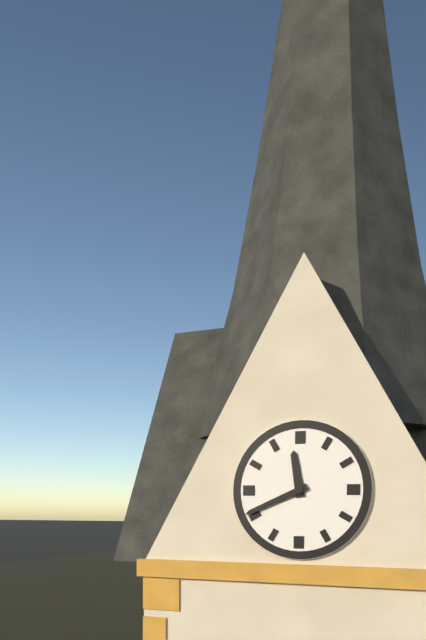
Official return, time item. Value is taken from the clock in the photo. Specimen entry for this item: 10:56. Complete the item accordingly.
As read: 11:41
